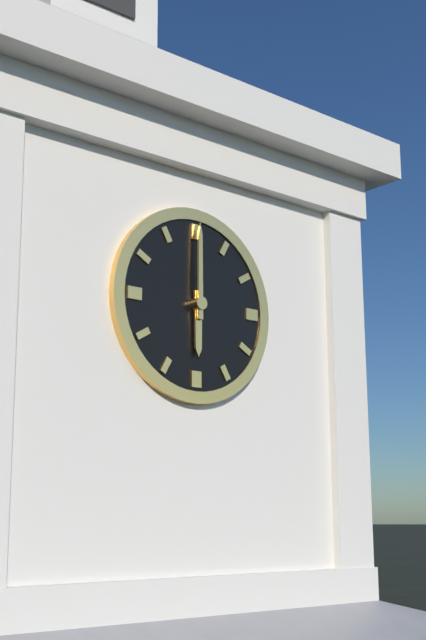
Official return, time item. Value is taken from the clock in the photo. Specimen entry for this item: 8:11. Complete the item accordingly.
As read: 6:00
